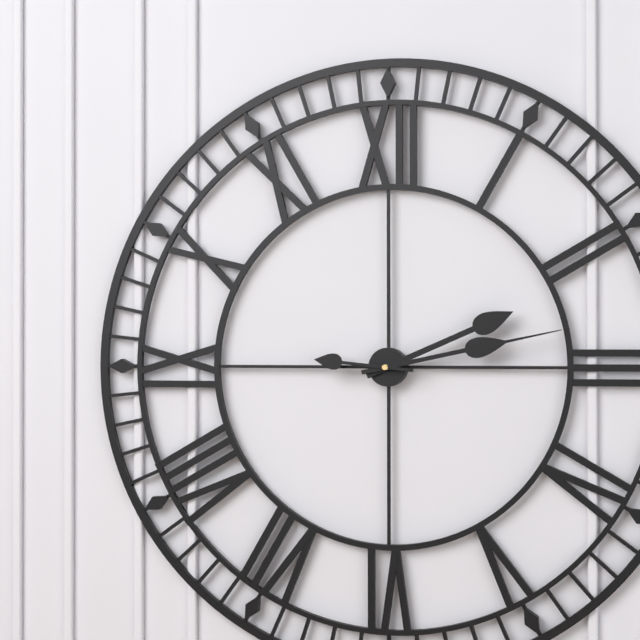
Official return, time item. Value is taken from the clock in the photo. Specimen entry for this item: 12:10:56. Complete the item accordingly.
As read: 2:13:46
